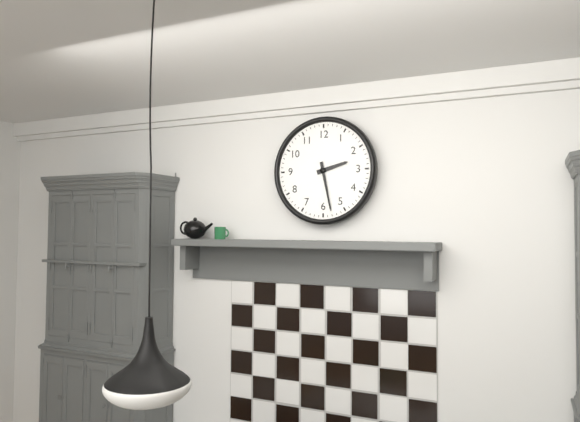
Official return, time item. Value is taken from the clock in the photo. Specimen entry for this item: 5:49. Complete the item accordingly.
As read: 2:28
